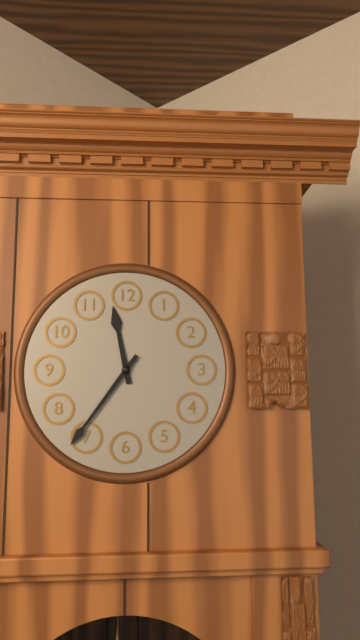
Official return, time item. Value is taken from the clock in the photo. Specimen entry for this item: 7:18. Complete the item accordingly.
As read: 11:36
